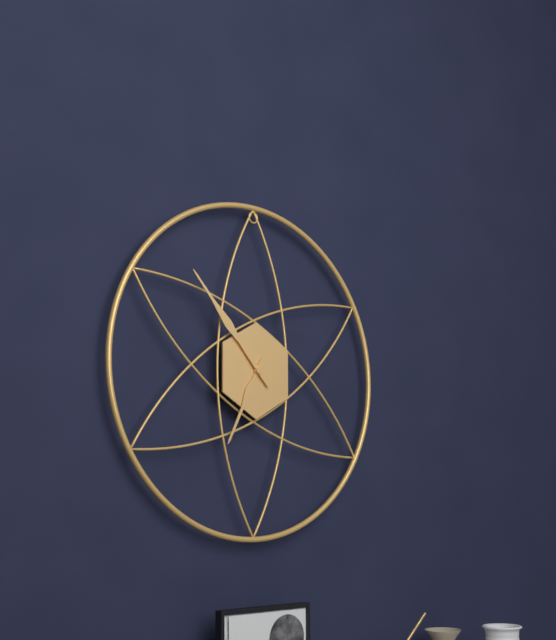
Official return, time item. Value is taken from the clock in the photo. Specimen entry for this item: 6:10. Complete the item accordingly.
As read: 6:53
